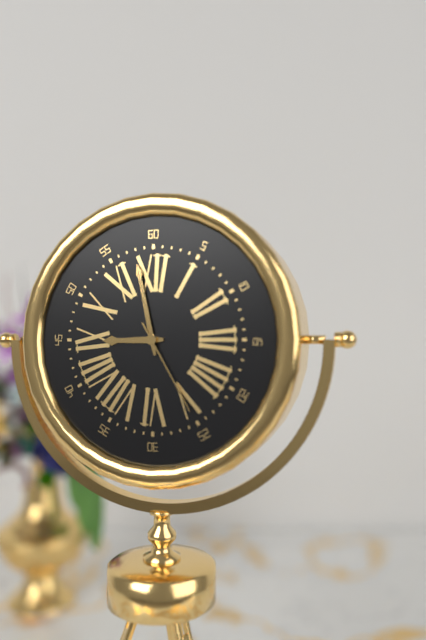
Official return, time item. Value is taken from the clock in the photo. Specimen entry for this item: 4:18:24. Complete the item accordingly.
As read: 8:58:25
